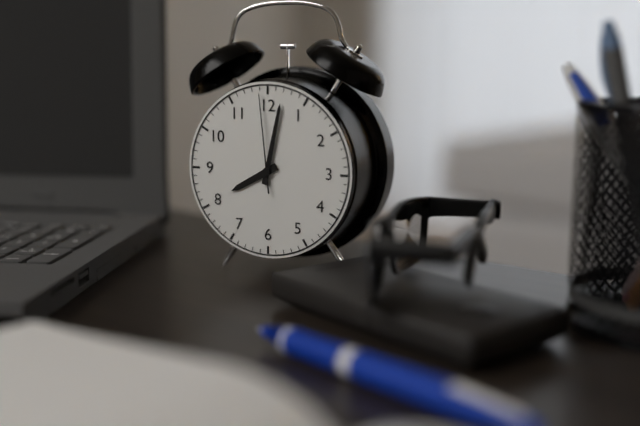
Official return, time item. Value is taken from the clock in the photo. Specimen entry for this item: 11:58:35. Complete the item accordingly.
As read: 8:02:59
